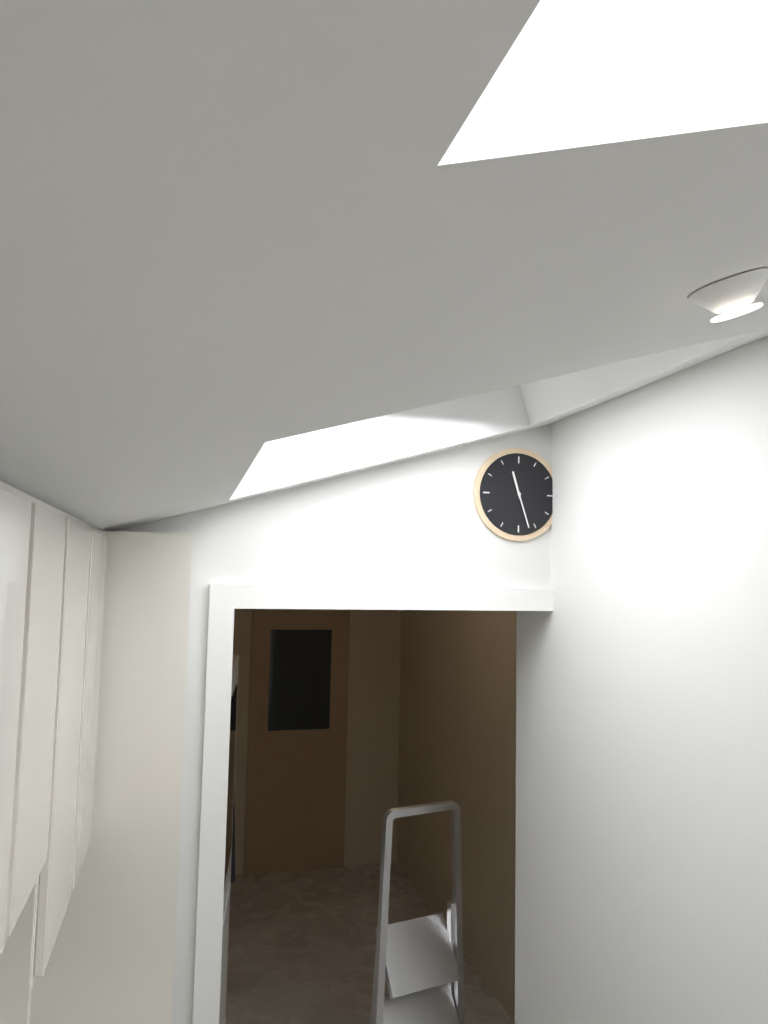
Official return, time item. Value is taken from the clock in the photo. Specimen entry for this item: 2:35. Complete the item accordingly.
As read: 11:27
